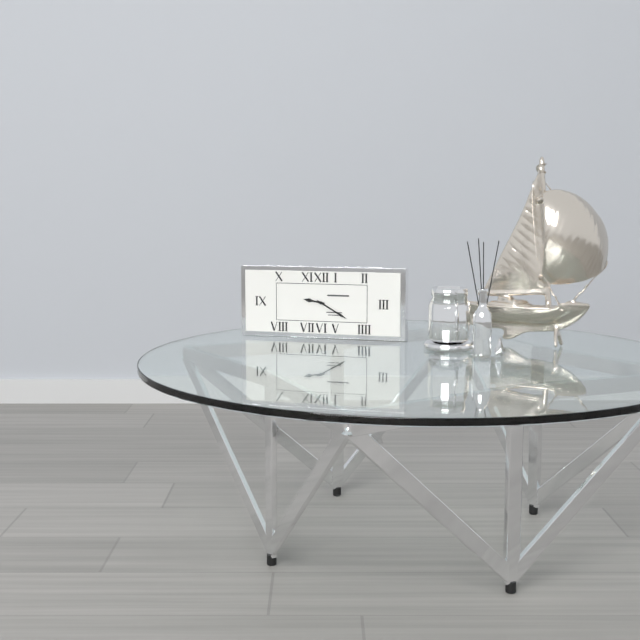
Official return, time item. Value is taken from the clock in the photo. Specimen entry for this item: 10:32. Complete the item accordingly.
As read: 9:20
